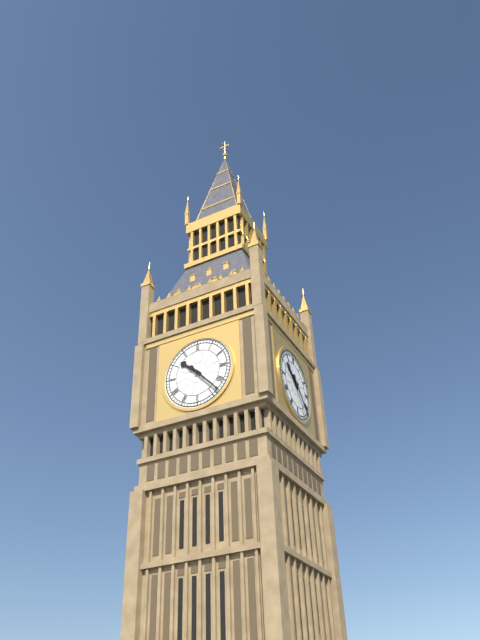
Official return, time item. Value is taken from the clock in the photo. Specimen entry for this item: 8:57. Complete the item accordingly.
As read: 10:23
